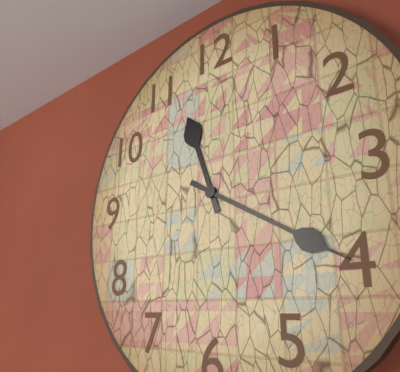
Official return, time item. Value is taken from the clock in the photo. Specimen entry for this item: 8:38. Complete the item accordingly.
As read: 11:20
